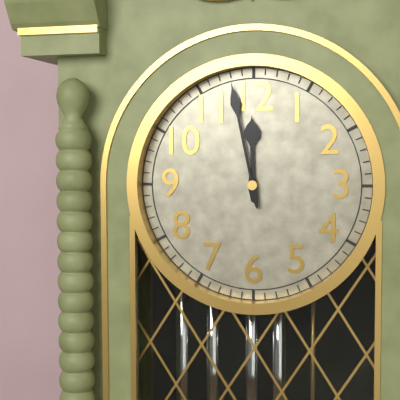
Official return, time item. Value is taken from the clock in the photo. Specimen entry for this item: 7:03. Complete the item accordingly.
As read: 11:58
